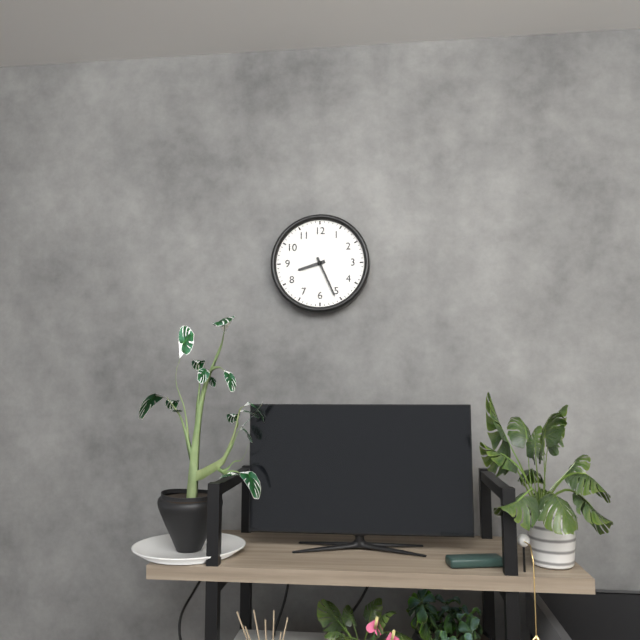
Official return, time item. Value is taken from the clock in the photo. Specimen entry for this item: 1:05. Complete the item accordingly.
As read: 8:26
